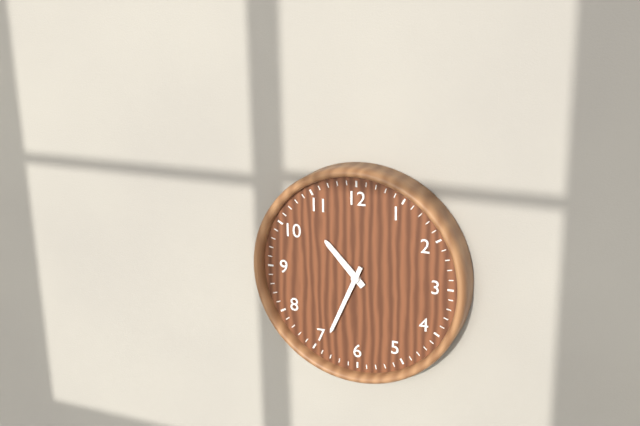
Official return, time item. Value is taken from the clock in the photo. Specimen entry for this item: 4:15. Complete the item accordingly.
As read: 10:34
